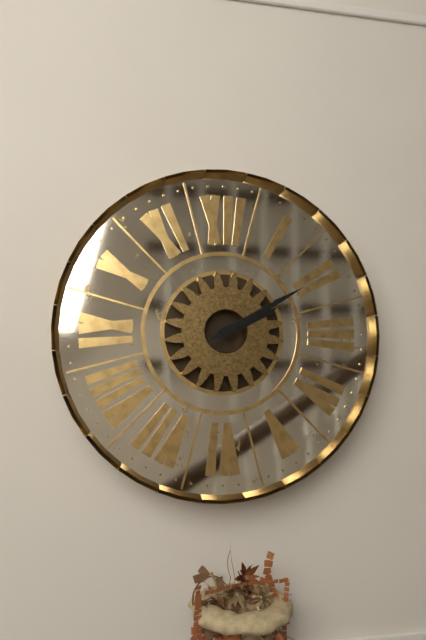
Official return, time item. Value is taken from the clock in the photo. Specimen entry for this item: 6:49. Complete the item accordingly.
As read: 2:10
